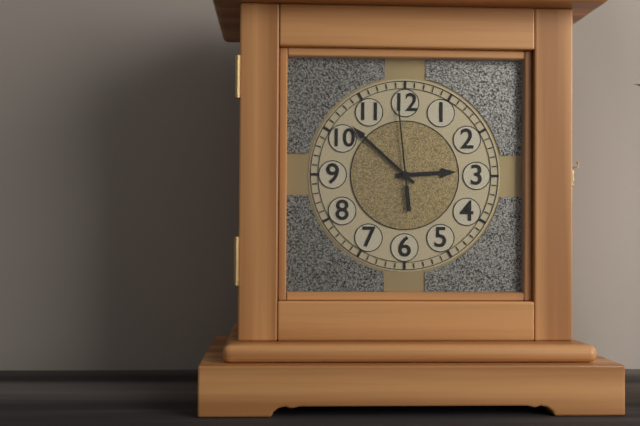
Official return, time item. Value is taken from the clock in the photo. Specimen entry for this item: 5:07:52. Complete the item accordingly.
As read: 2:52:59
